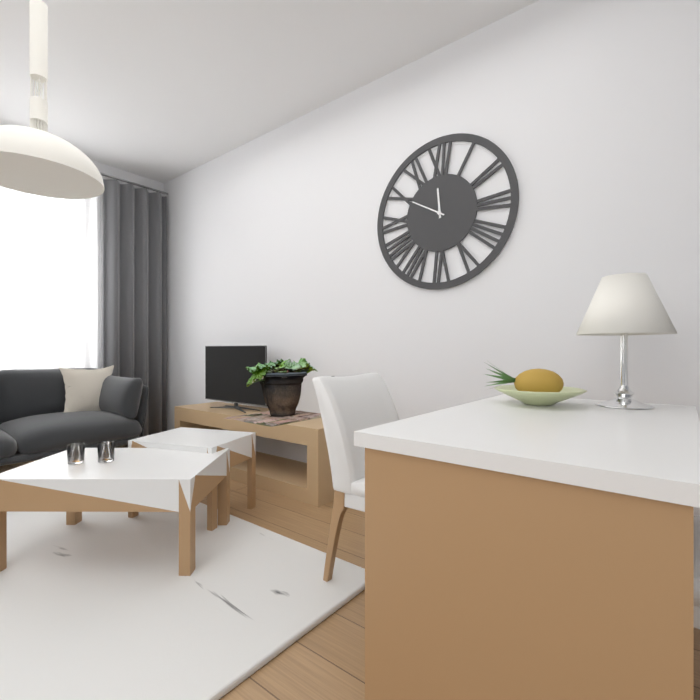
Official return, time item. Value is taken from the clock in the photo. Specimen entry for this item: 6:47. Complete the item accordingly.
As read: 11:50
